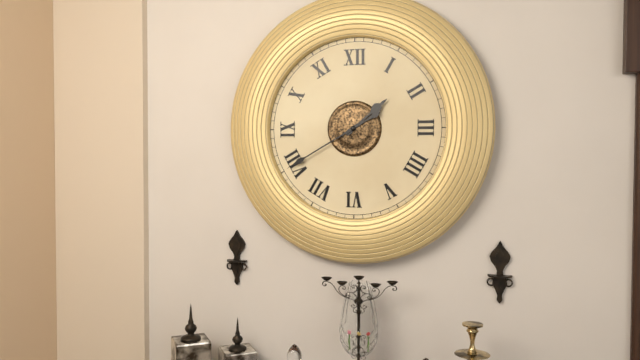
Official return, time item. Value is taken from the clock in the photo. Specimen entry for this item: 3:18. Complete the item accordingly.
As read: 1:40
